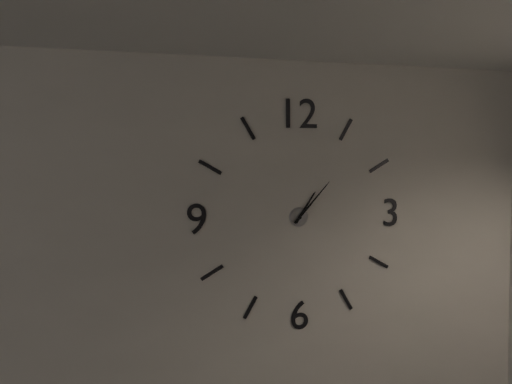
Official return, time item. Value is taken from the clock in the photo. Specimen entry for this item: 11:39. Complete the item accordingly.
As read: 1:07
